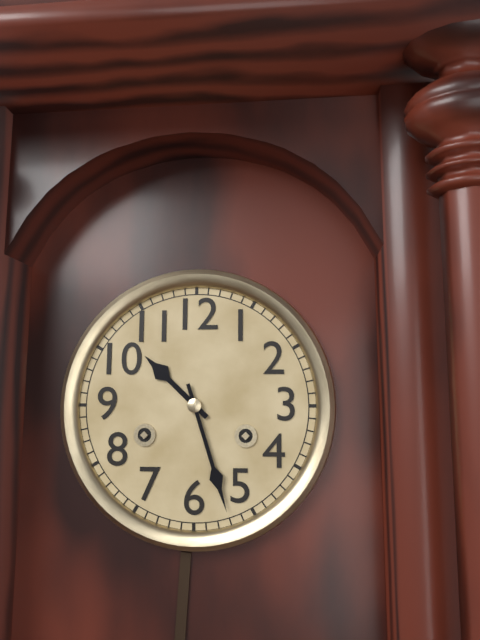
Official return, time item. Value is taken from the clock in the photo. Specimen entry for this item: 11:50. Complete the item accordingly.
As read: 10:27
